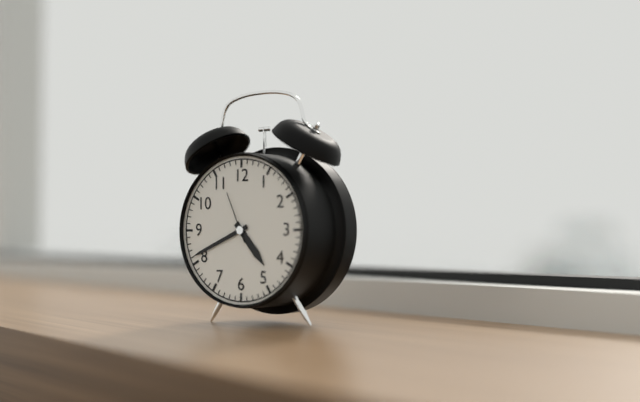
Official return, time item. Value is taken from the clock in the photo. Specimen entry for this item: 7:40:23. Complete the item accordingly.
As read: 4:41:56
